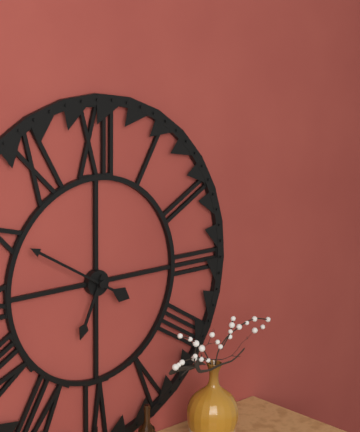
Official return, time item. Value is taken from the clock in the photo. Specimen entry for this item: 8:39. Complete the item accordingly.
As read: 6:50
